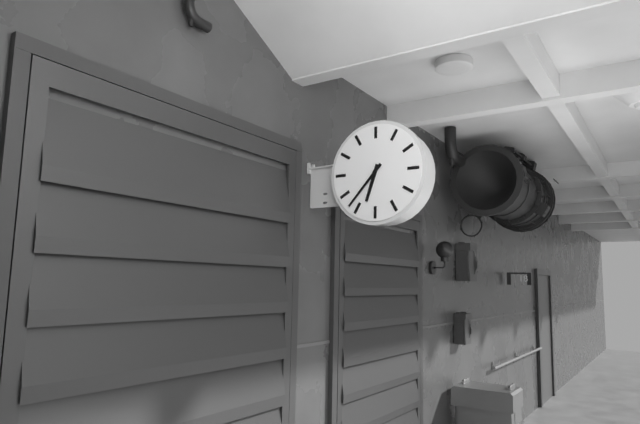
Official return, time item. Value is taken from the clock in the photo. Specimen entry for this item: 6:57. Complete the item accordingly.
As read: 6:37
